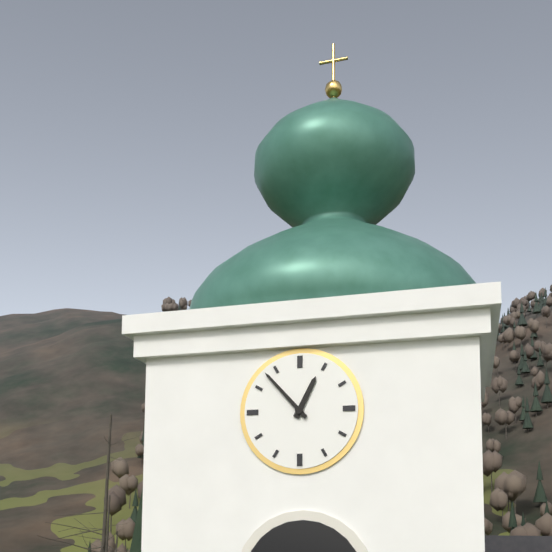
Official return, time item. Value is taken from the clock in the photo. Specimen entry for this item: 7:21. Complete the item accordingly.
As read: 12:53
